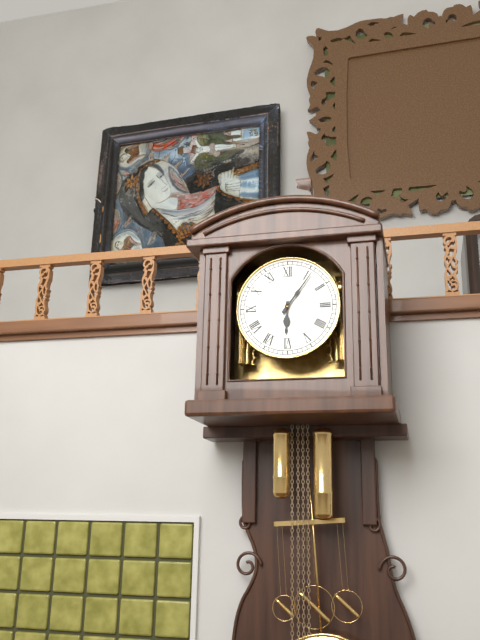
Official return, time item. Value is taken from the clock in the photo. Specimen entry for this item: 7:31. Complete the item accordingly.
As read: 6:06
